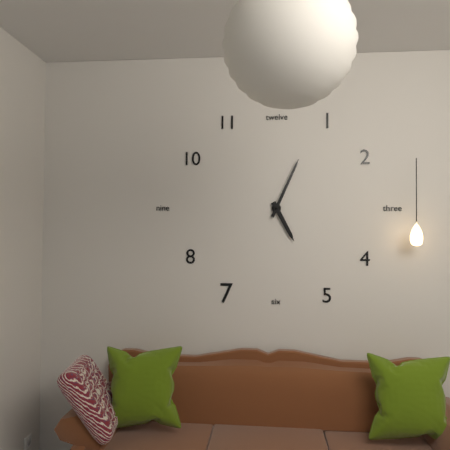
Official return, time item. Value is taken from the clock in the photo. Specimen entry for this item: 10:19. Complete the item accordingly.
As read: 5:04
